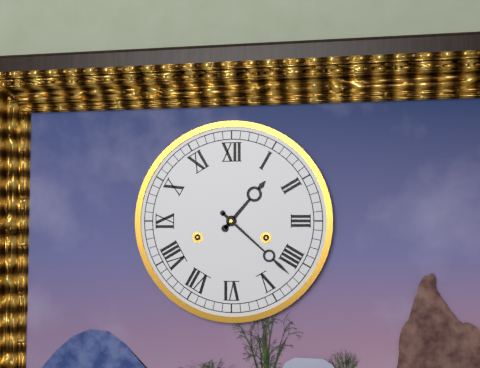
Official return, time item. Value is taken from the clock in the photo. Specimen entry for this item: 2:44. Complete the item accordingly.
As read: 1:22
